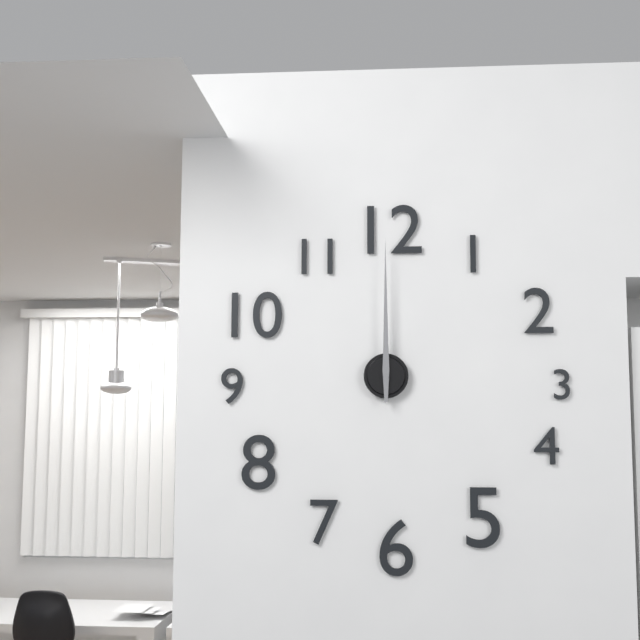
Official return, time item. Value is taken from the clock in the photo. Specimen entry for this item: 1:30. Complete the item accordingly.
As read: 12:00
